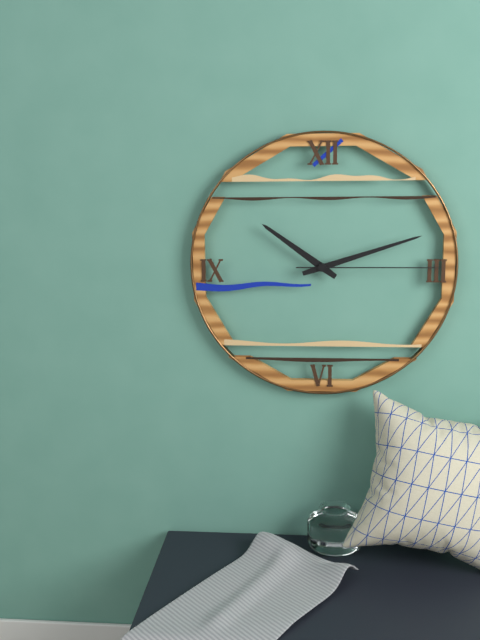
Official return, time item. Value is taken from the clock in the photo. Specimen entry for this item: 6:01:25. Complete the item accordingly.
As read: 10:12:15
